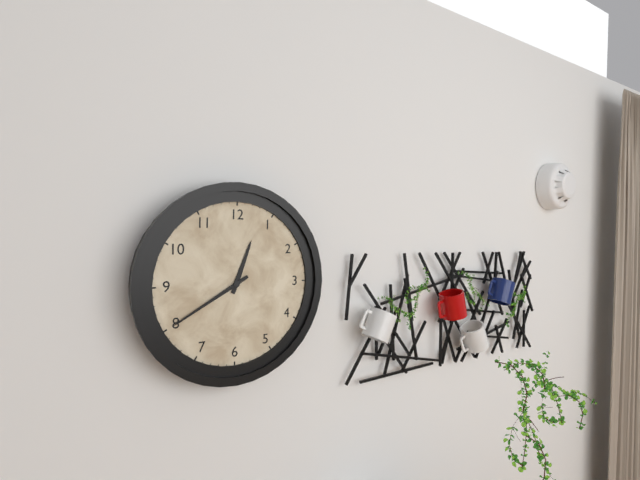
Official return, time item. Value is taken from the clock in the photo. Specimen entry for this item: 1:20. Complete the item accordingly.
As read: 12:40
